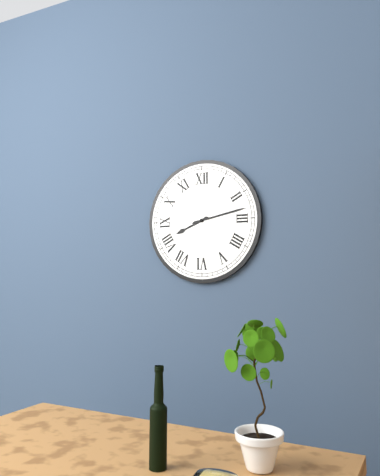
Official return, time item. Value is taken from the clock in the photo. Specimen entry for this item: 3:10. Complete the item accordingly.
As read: 8:13
